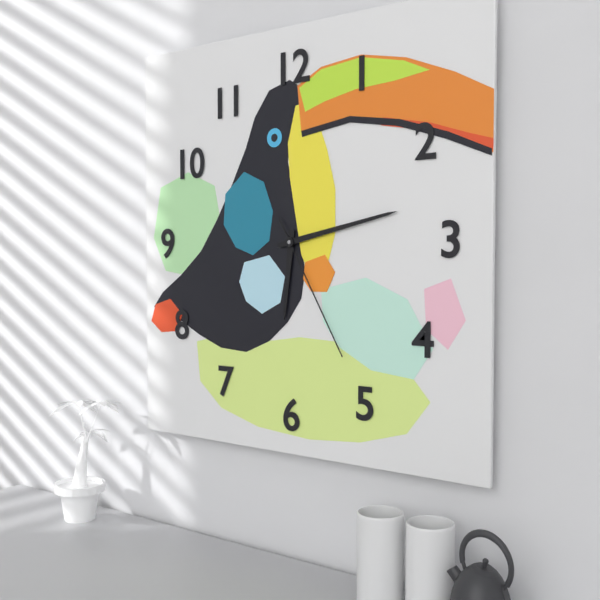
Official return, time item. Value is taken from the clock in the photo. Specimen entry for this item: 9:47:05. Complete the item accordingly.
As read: 6:13:25
